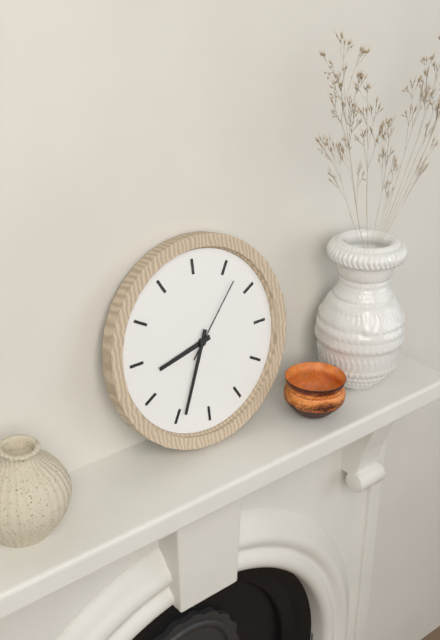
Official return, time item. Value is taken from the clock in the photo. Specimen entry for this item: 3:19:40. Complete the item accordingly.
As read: 8:34:07
